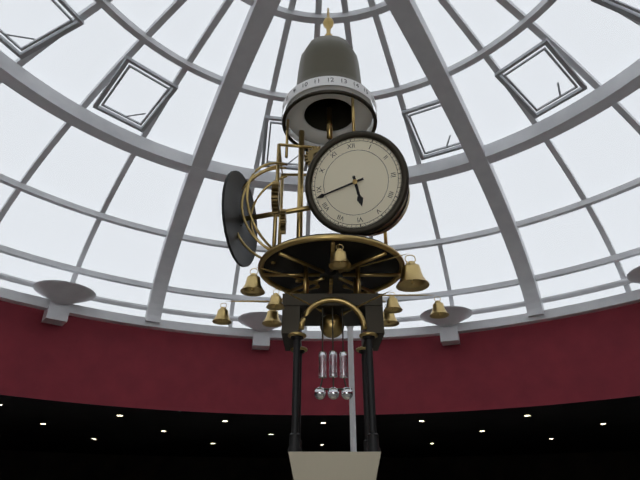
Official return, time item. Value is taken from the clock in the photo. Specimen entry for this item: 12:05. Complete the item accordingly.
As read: 5:43
